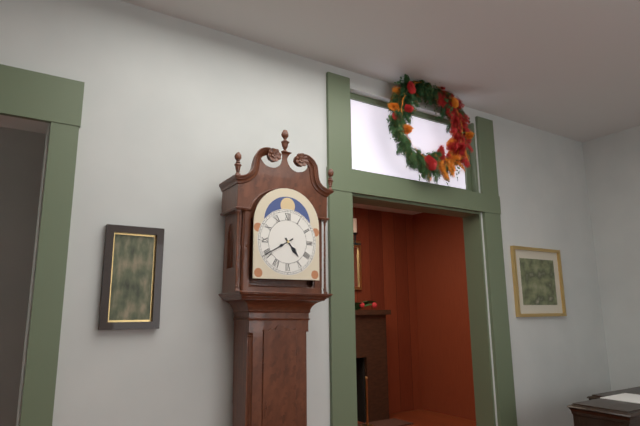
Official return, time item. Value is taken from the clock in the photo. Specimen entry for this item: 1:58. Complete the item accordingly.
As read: 4:40
